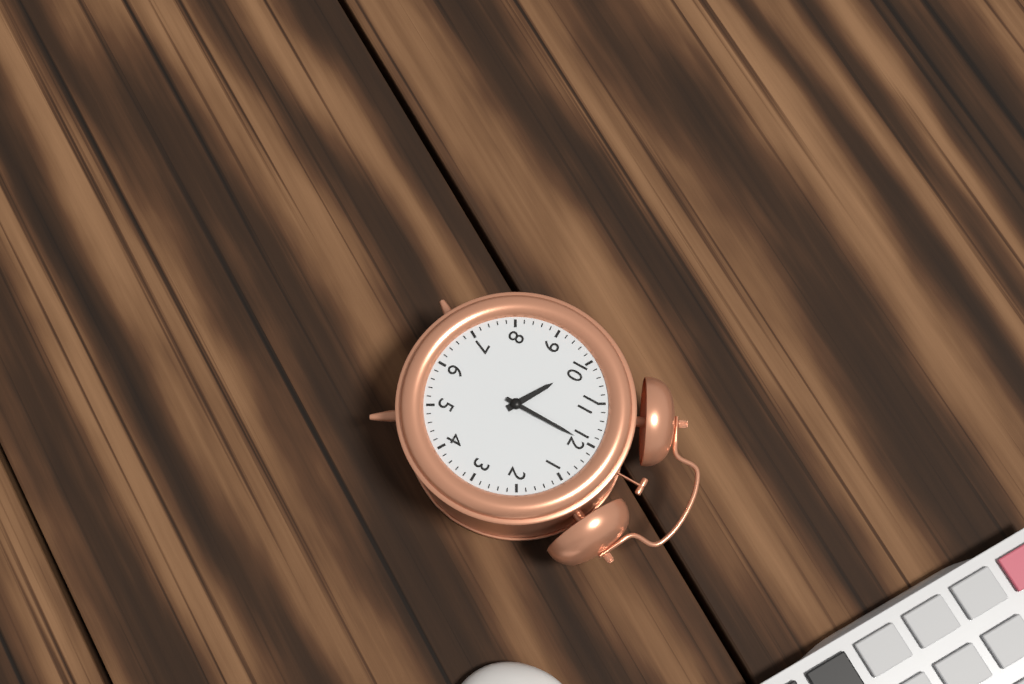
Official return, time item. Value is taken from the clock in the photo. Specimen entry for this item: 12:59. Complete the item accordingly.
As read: 10:00
